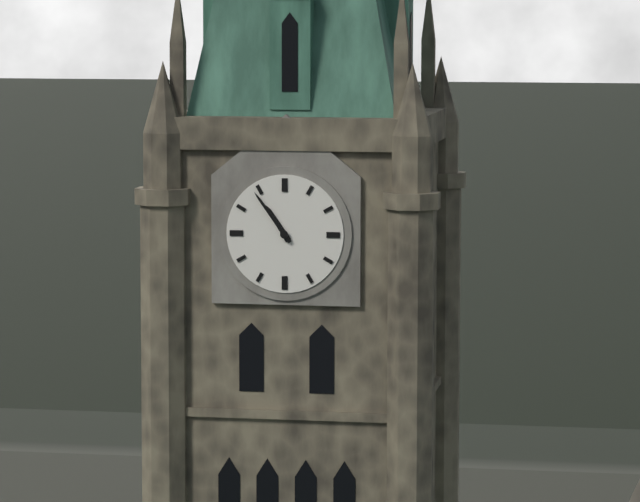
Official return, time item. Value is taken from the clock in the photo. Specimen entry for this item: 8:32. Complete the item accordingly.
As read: 10:54
